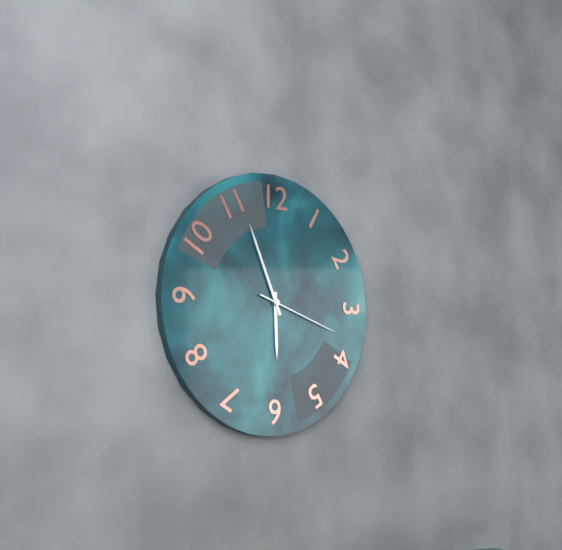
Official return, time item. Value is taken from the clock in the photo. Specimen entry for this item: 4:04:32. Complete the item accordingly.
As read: 5:56:18
